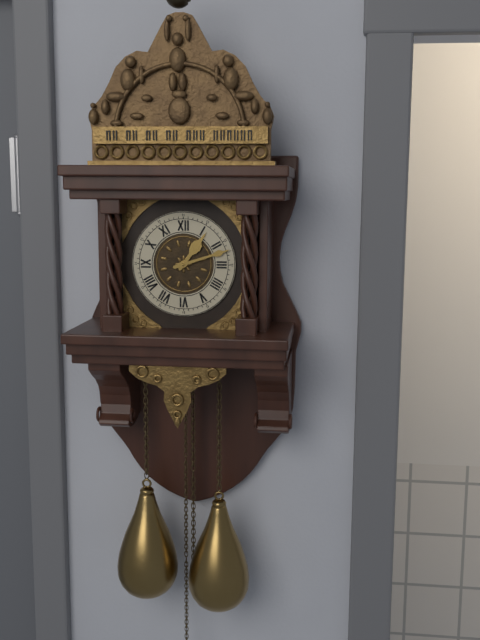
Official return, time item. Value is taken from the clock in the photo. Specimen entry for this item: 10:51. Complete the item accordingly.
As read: 1:12
